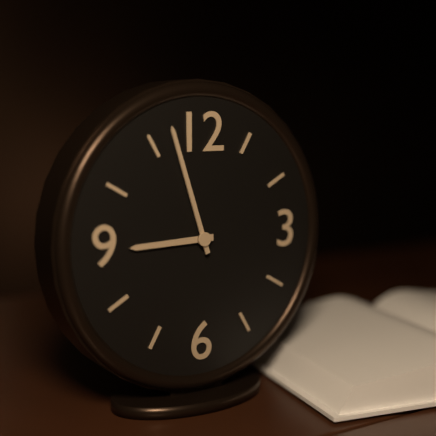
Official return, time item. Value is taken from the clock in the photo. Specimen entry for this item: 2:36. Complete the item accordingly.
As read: 8:57
